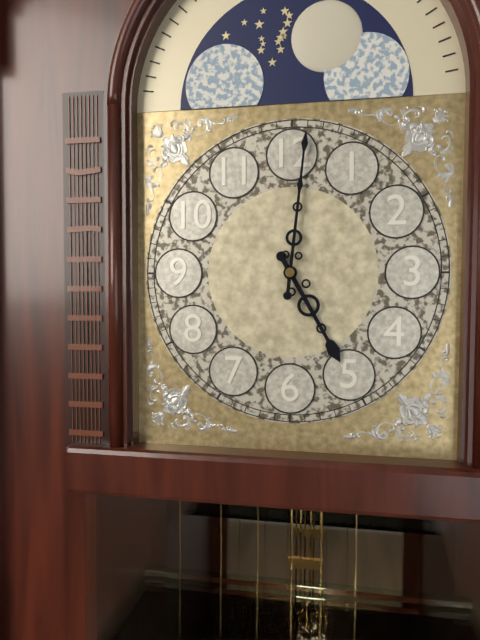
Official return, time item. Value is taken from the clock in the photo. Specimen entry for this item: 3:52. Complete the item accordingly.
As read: 5:01
